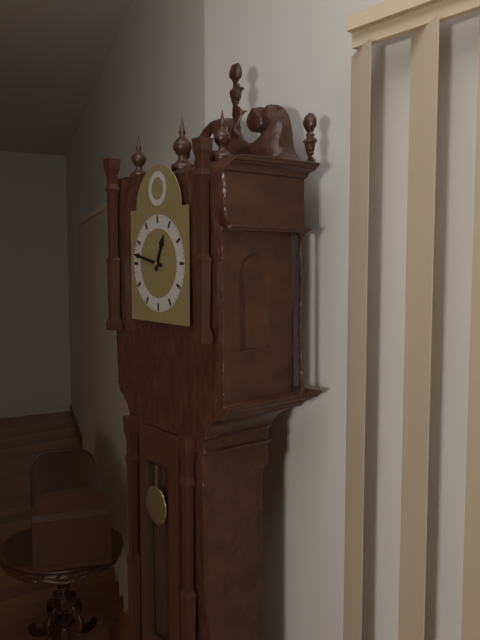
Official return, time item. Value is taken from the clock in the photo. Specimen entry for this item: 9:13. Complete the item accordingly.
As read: 12:47
